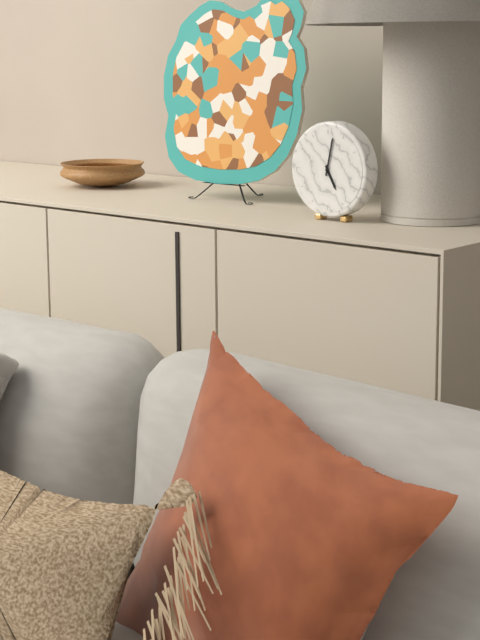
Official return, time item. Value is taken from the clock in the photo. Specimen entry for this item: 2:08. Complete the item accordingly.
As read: 5:02
